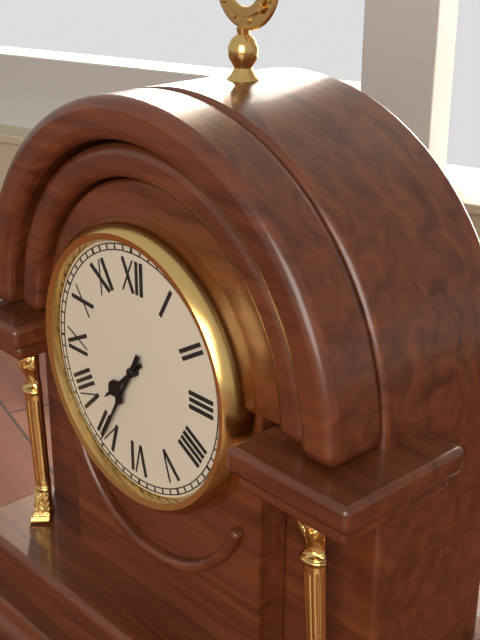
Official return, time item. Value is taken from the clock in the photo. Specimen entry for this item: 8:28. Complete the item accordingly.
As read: 7:35
